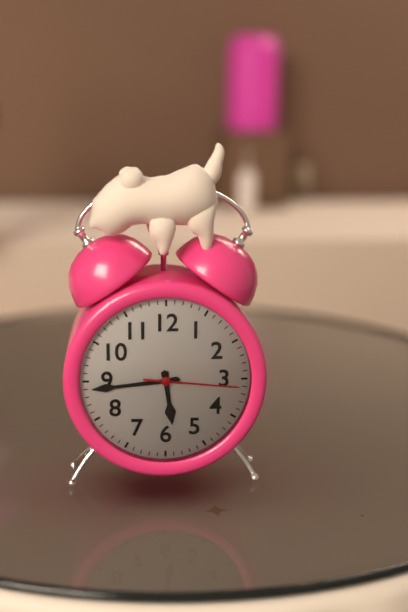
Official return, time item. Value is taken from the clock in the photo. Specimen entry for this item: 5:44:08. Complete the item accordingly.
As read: 5:44:16
